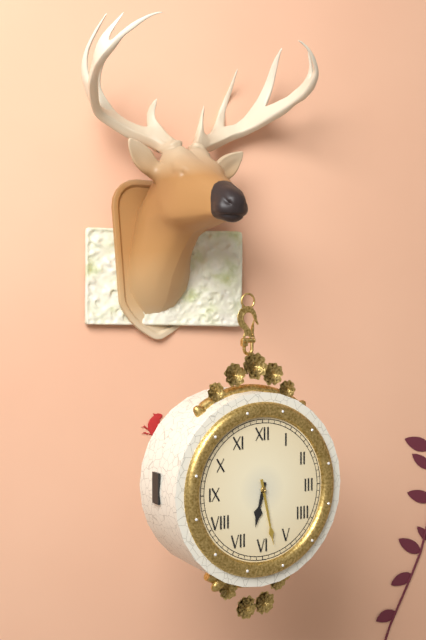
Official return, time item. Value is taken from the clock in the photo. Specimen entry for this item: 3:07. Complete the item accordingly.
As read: 6:28
